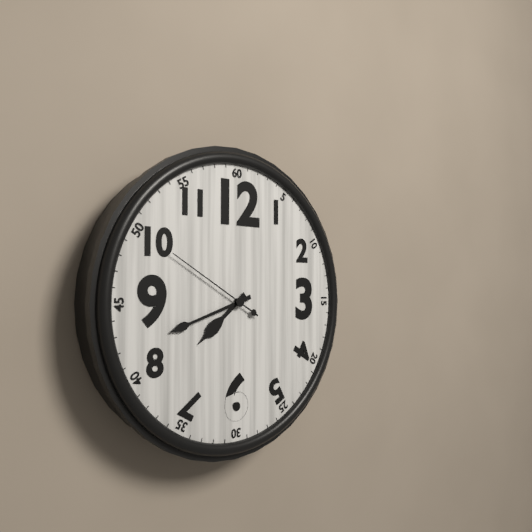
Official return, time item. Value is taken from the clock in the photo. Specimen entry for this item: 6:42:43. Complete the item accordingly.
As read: 7:42:50
